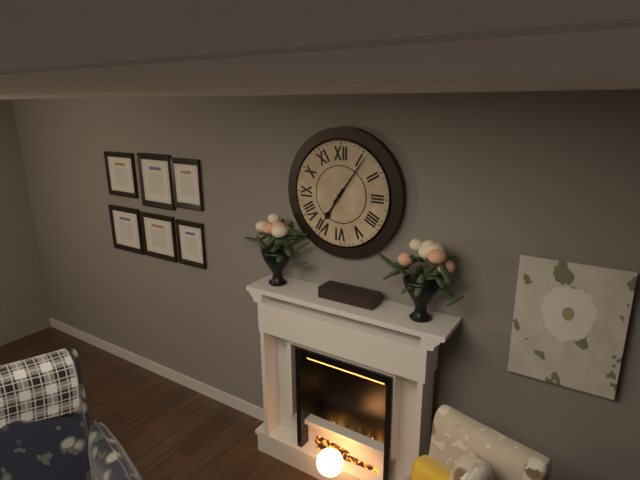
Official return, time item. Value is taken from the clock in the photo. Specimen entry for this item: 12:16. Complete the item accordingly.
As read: 7:06
